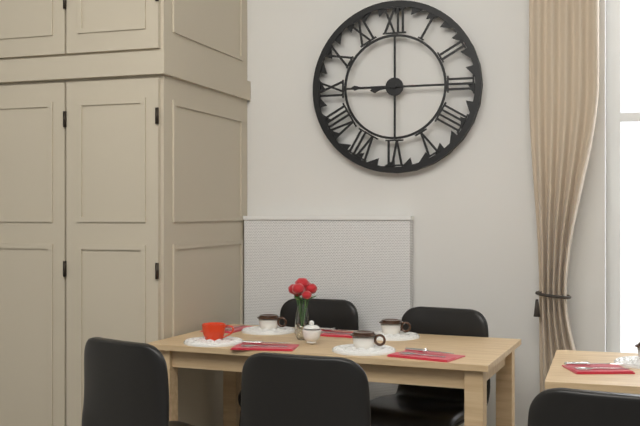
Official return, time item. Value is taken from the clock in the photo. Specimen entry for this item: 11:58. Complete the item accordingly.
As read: 8:45
